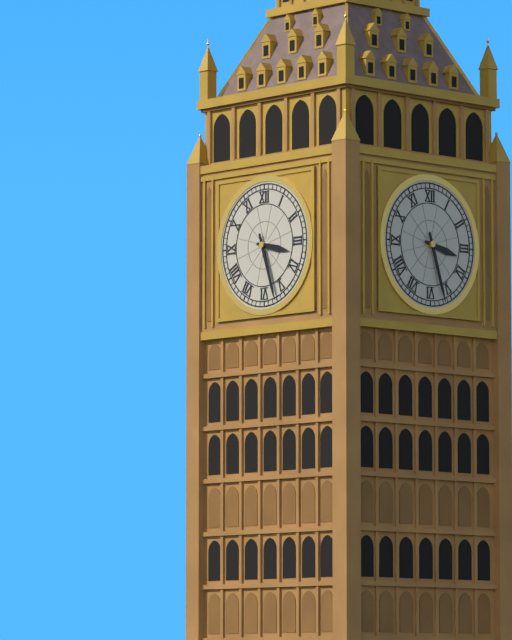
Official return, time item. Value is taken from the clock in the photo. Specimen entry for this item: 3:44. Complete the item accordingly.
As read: 3:27
